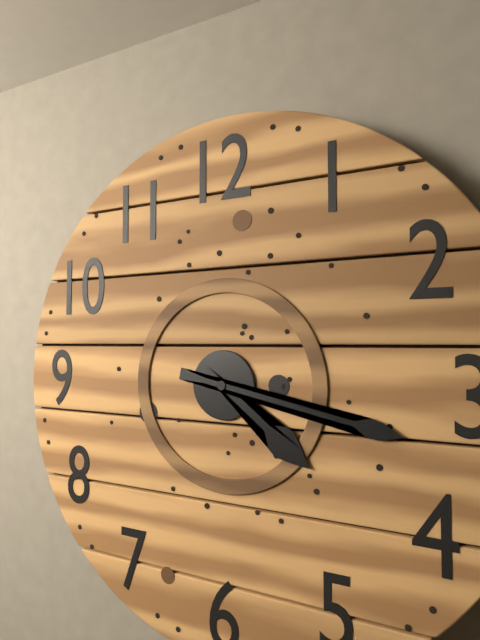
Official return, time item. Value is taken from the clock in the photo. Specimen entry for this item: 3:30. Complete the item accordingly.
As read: 4:17
